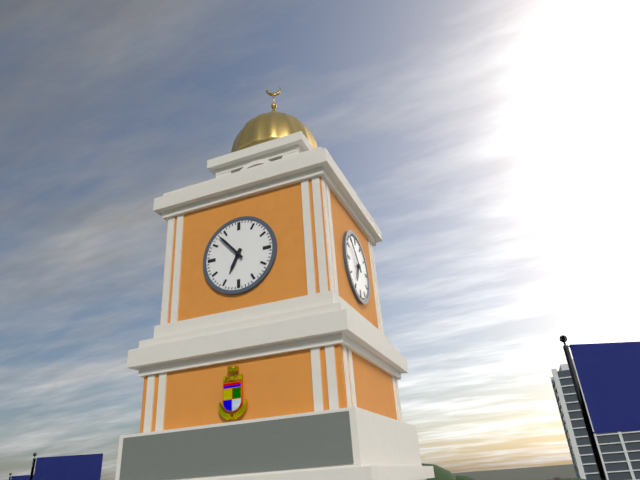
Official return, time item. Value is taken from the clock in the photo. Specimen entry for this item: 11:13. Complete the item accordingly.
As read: 6:53
